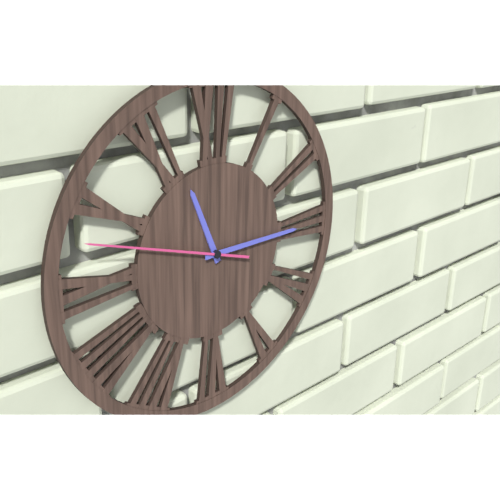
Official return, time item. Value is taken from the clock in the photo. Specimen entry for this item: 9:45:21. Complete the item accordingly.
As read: 11:15:48
